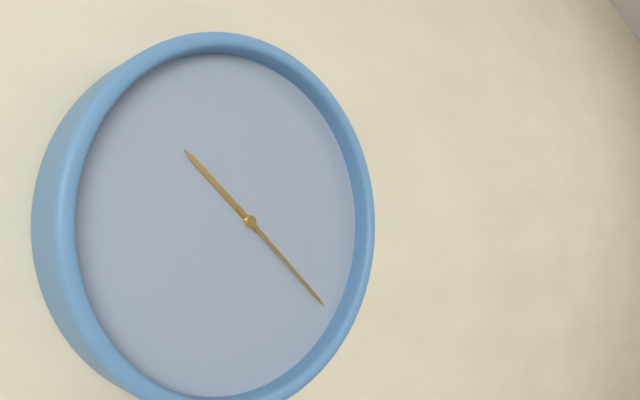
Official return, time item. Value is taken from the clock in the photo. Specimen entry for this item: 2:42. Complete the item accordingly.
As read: 10:22
